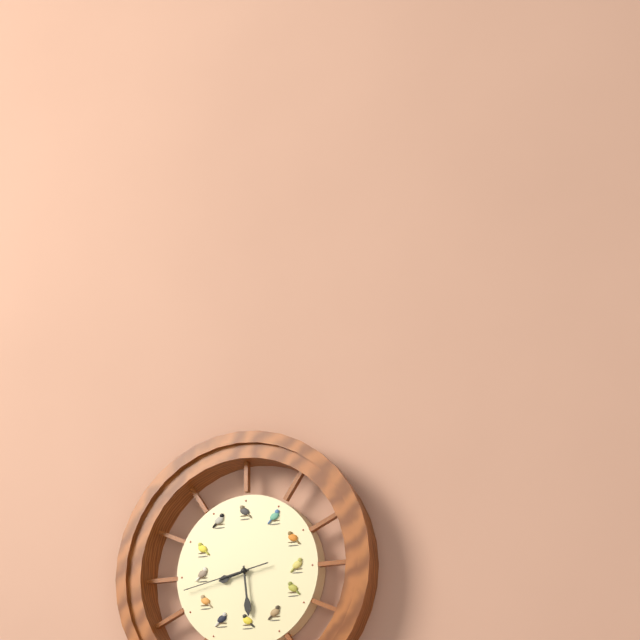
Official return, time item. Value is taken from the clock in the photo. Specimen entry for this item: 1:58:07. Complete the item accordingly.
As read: 8:29:43
